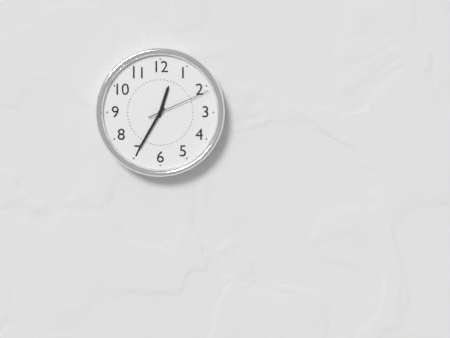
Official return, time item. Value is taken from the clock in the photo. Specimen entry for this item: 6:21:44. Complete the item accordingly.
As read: 12:35:11
